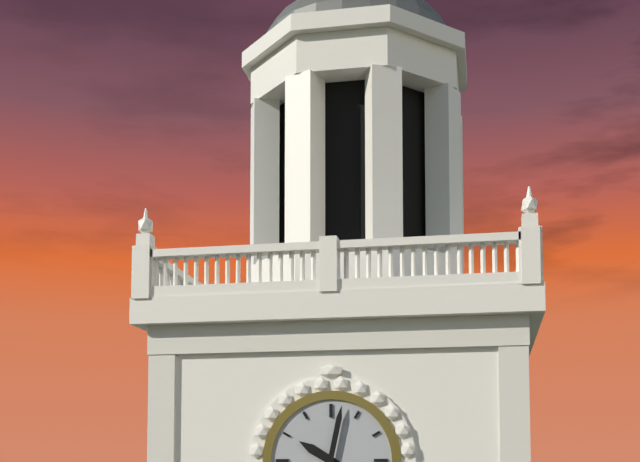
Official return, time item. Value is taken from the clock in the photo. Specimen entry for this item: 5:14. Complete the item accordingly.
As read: 10:02
